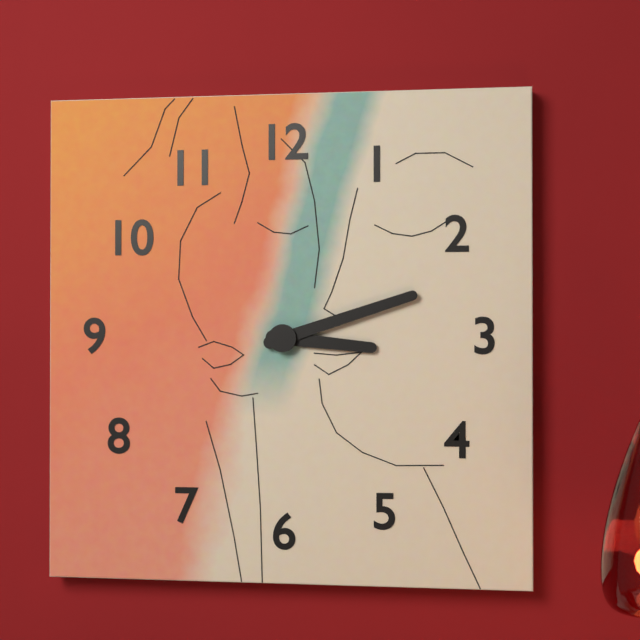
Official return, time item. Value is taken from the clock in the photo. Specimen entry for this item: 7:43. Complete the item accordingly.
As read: 3:12
